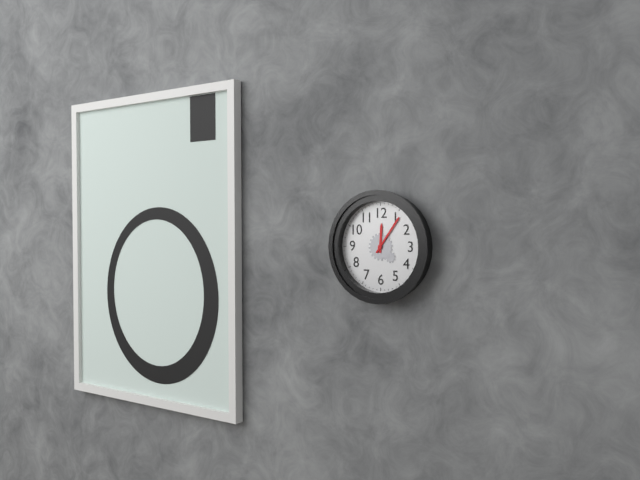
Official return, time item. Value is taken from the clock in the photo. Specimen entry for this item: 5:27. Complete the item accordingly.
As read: 12:06
